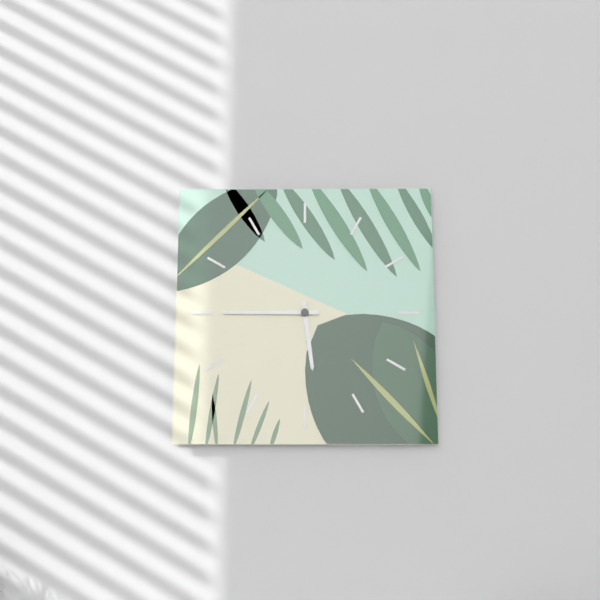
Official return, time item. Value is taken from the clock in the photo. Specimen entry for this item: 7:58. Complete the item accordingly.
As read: 5:45
